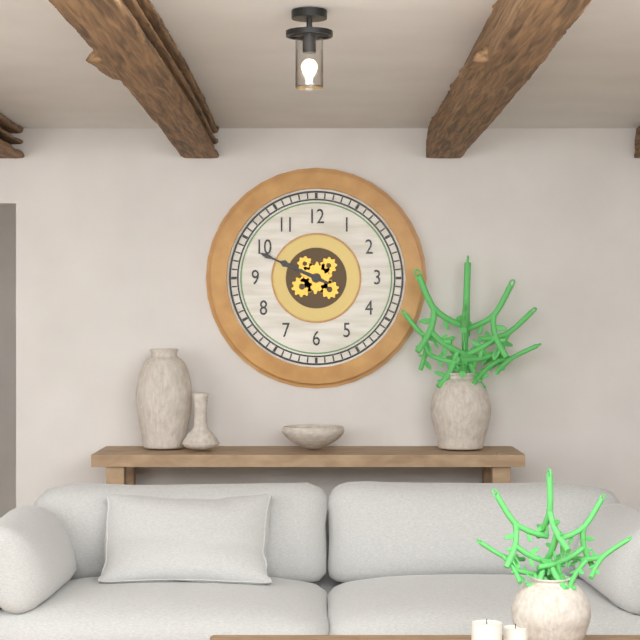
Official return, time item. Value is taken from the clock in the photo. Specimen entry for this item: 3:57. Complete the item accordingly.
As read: 9:49
